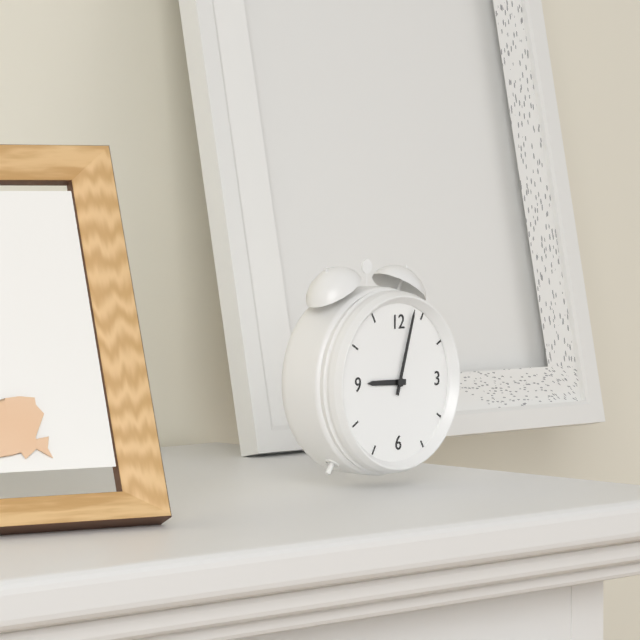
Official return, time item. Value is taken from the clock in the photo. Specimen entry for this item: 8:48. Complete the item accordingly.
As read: 9:03
